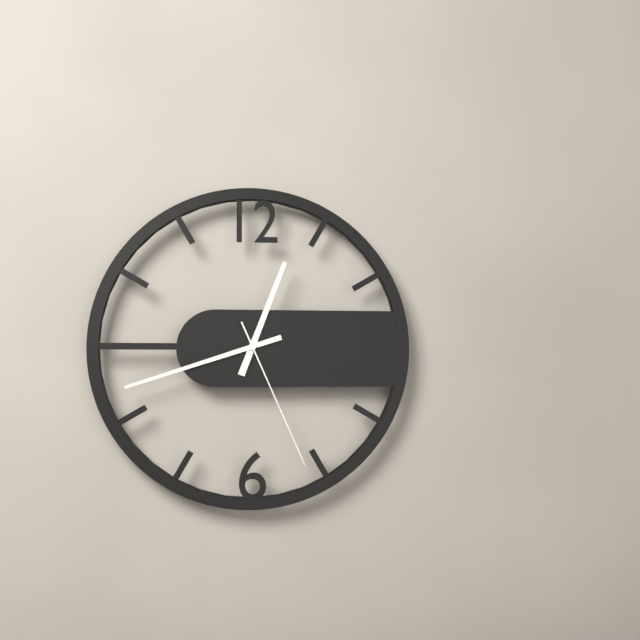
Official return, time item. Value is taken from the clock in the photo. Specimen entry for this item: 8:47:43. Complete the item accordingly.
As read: 12:42:26
